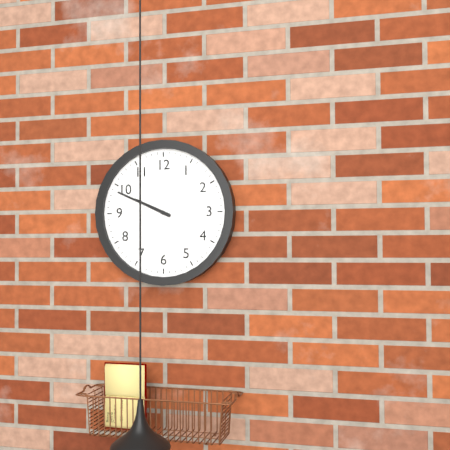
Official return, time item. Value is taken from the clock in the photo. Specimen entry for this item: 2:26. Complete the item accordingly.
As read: 9:49
